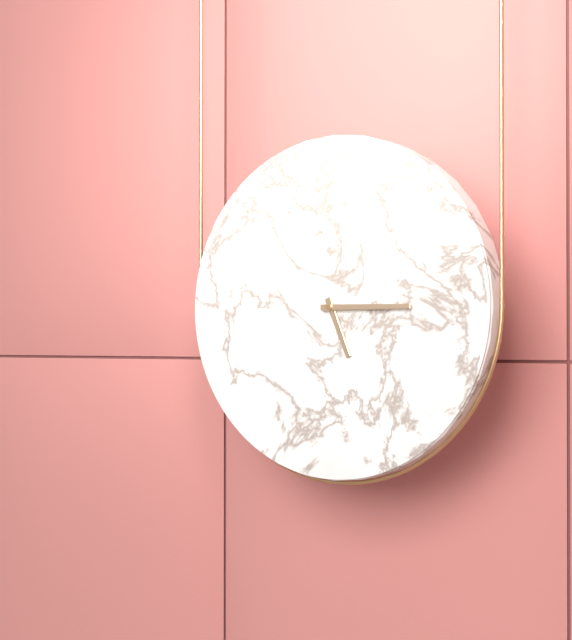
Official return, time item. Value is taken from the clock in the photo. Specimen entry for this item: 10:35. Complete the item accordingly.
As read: 5:15
